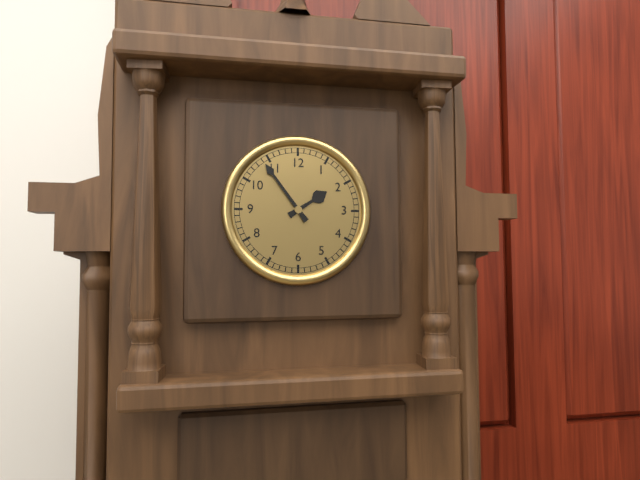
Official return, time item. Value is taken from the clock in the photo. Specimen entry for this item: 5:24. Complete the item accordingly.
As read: 1:54
